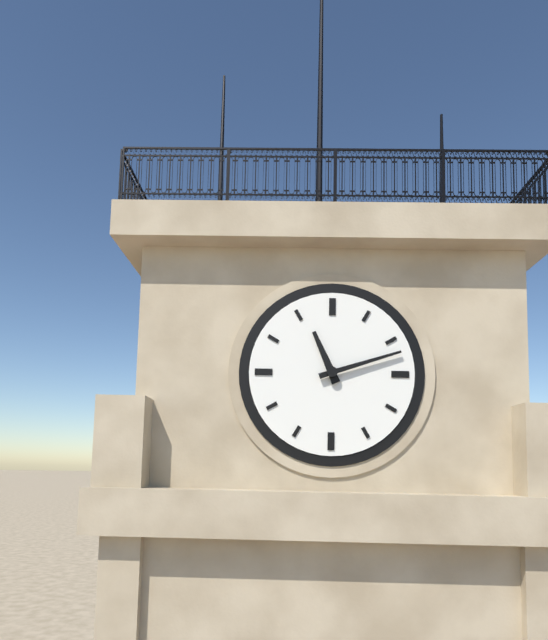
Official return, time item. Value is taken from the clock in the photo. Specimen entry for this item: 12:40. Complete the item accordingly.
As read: 11:12
